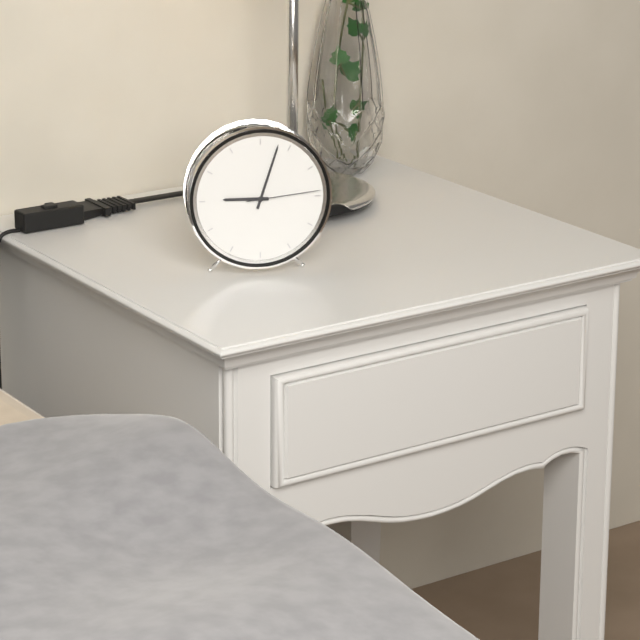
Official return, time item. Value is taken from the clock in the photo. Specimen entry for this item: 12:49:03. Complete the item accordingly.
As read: 9:03:14
